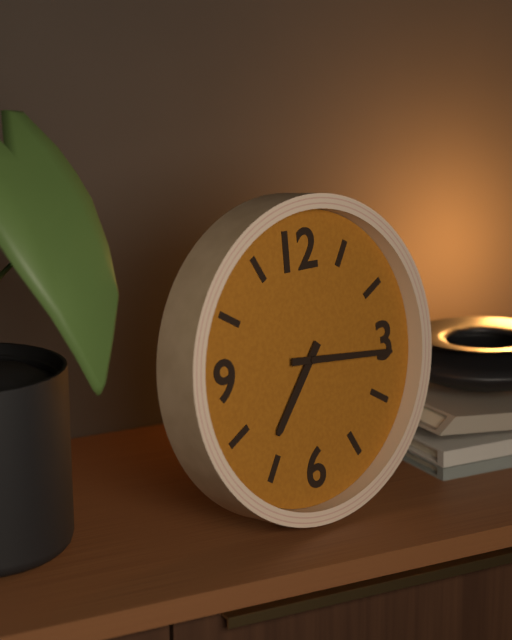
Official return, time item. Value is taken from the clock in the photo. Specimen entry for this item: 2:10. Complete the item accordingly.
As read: 7:16
